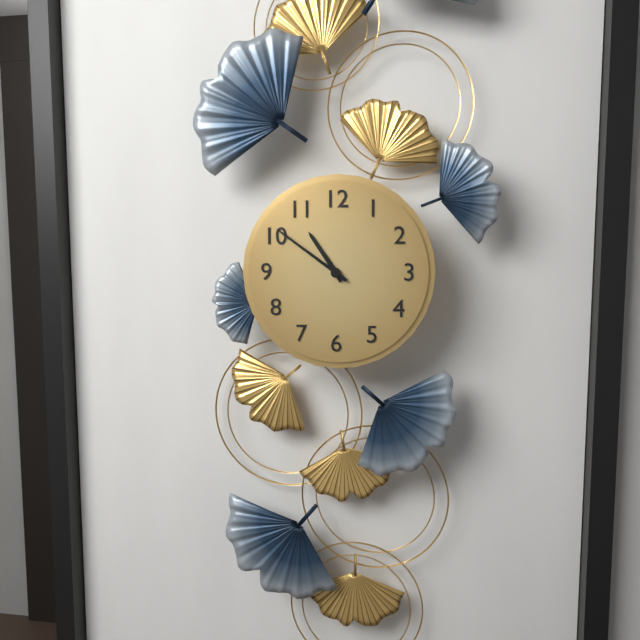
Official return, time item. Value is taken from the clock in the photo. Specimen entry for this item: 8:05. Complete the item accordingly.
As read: 10:51
